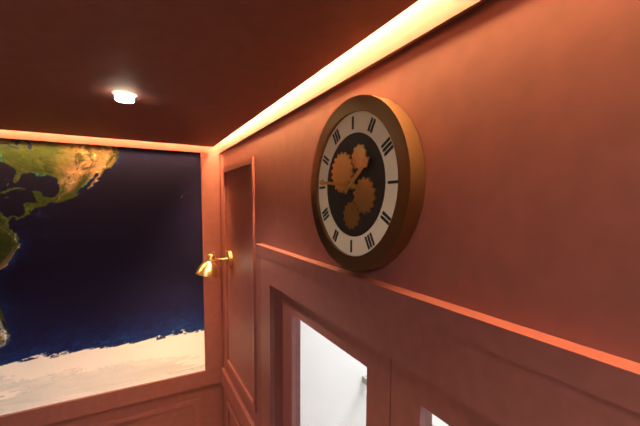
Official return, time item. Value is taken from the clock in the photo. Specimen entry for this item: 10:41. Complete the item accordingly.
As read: 1:46
